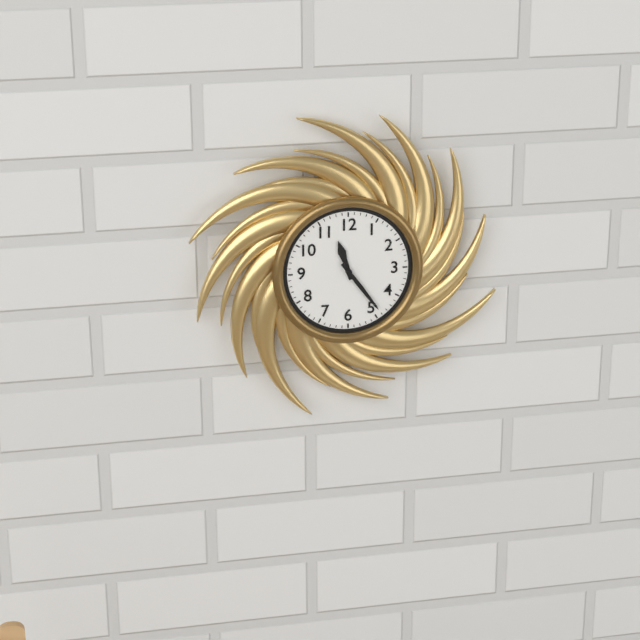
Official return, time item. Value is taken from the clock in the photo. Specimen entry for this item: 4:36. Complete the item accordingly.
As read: 11:24
